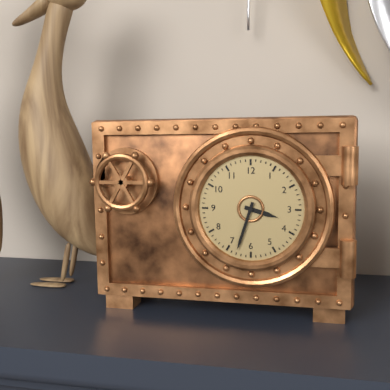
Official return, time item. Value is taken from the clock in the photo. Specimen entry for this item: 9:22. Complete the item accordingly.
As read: 3:33
